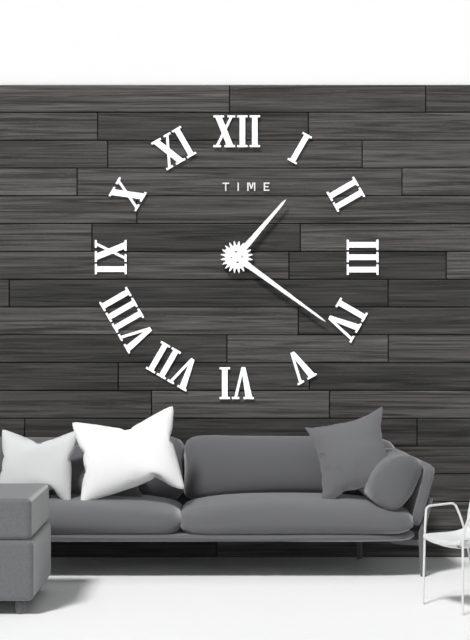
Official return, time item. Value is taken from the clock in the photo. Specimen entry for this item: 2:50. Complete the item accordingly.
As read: 1:21
